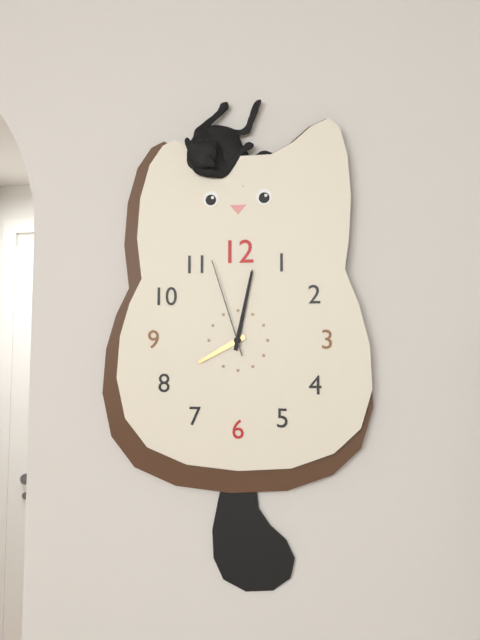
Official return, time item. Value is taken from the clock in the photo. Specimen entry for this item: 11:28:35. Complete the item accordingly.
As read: 8:02:57
